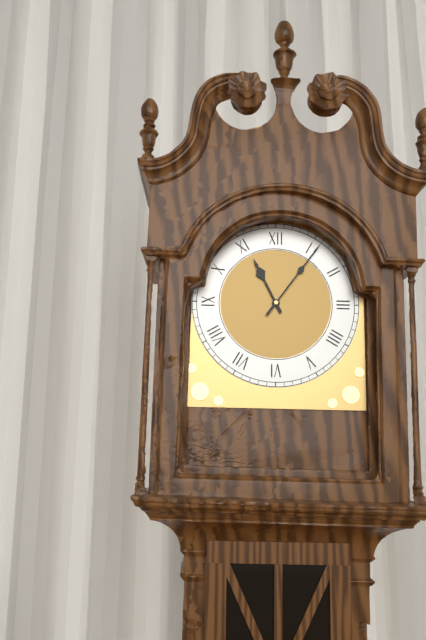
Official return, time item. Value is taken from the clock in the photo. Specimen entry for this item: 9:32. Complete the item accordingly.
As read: 11:06
